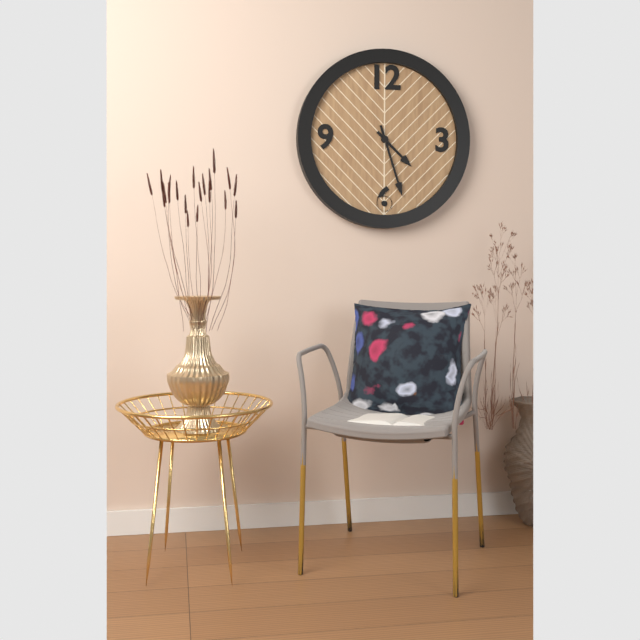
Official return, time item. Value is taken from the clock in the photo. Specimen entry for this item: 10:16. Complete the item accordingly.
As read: 4:27
